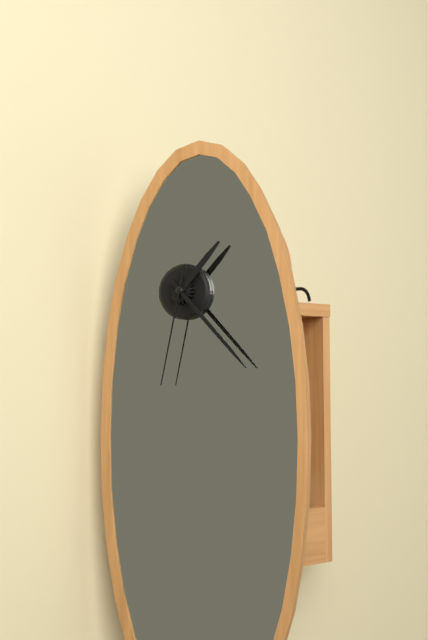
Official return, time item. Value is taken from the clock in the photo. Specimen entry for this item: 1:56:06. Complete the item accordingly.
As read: 1:23:32
